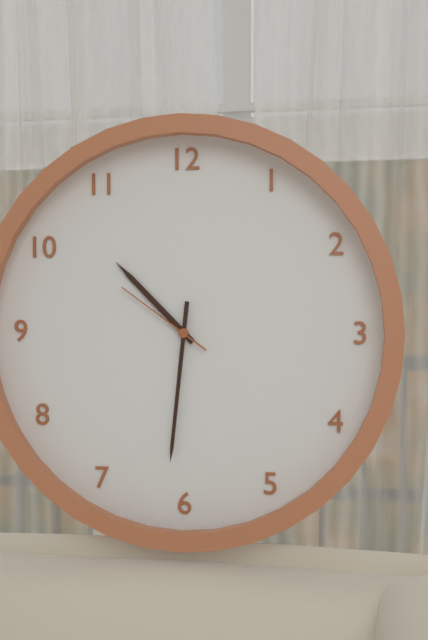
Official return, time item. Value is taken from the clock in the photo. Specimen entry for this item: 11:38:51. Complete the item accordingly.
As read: 10:31:51
